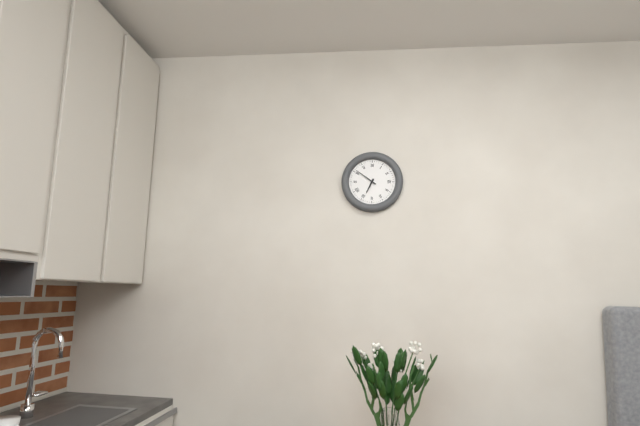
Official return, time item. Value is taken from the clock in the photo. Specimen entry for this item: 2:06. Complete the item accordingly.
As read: 6:51
